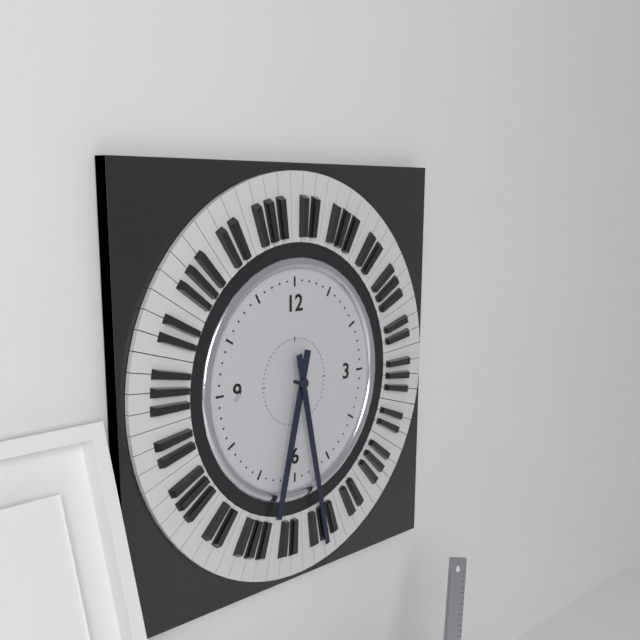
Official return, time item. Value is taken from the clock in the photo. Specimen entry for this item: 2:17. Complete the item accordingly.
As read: 6:28
